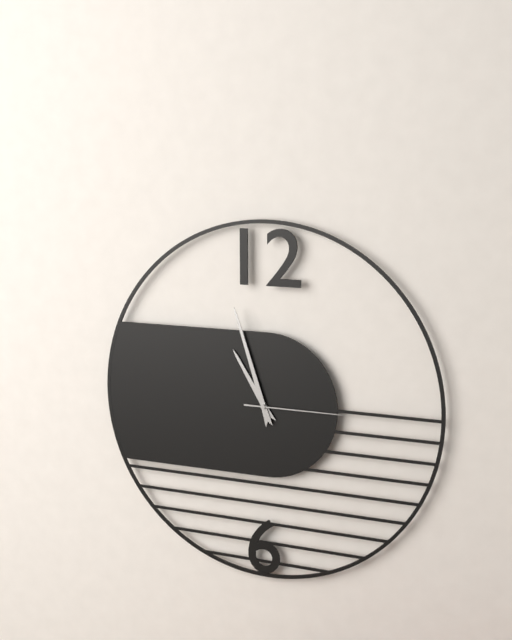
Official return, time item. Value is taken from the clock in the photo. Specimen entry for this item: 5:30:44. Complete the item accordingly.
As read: 10:57:15
